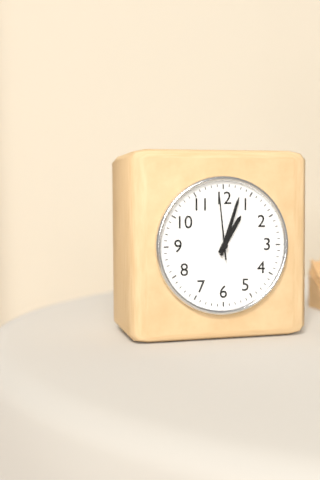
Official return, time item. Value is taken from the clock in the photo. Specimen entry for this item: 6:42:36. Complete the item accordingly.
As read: 1:03:59
